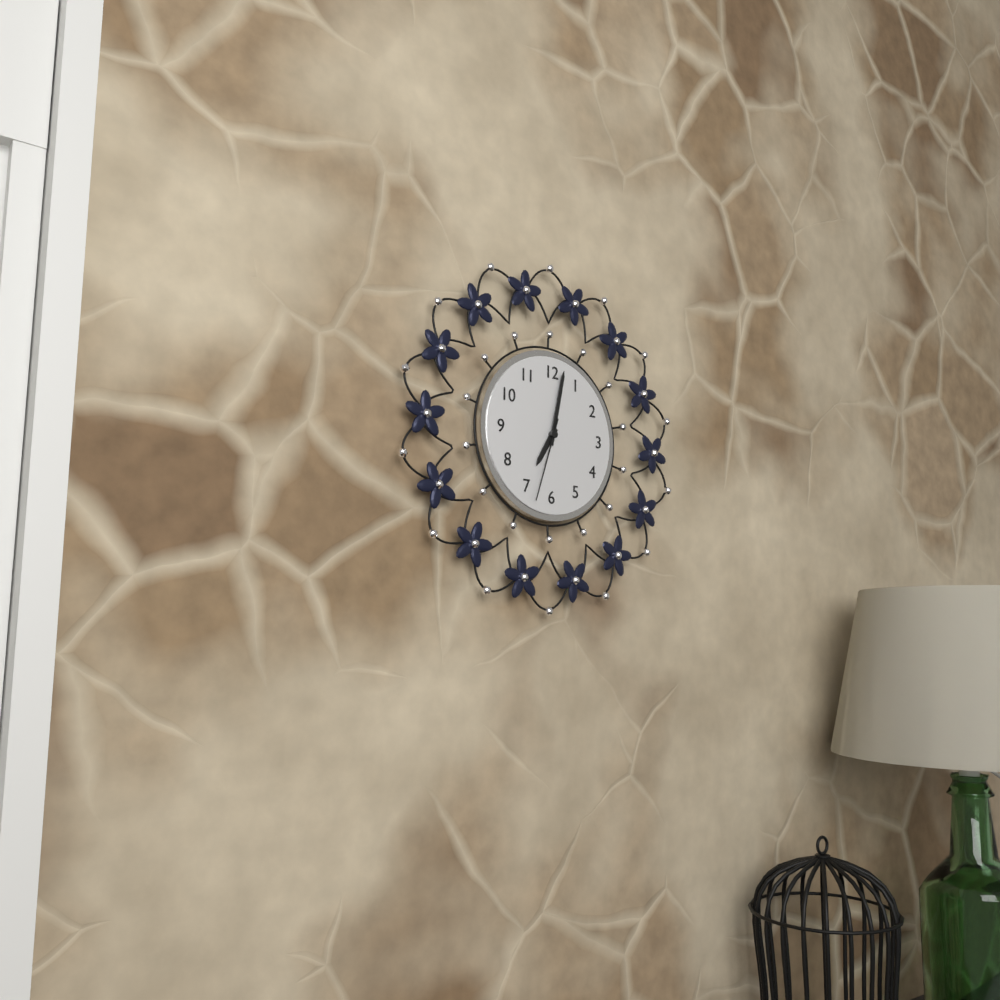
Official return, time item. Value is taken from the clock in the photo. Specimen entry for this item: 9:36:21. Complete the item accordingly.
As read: 7:02:33
